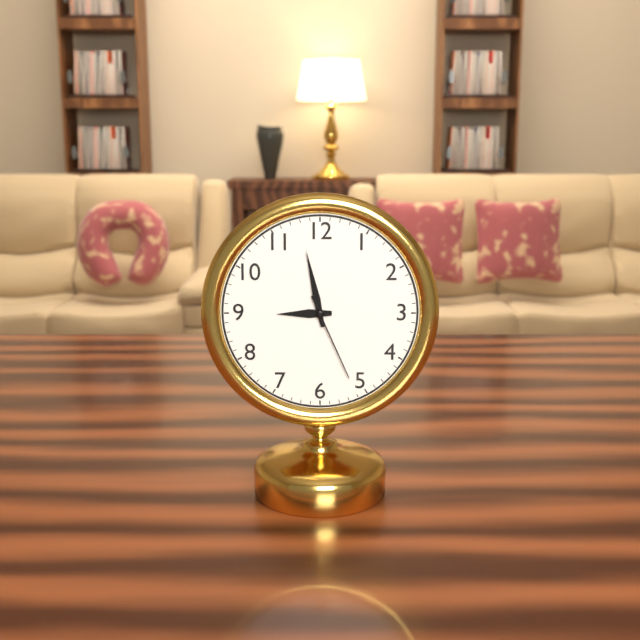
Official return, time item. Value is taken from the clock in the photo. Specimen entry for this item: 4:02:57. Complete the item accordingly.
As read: 8:58:26
